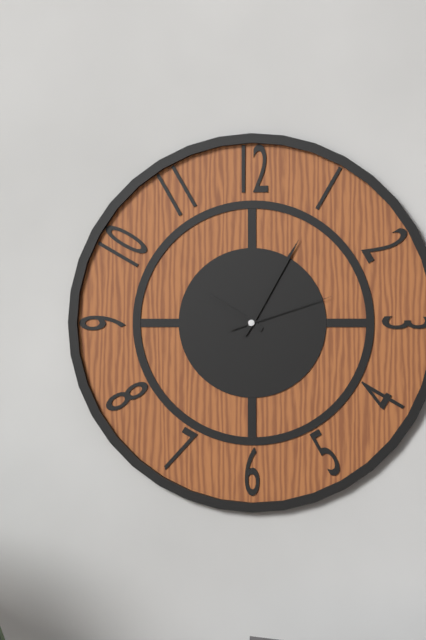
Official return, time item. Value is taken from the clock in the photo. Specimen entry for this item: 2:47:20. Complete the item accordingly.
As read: 10:05:12
